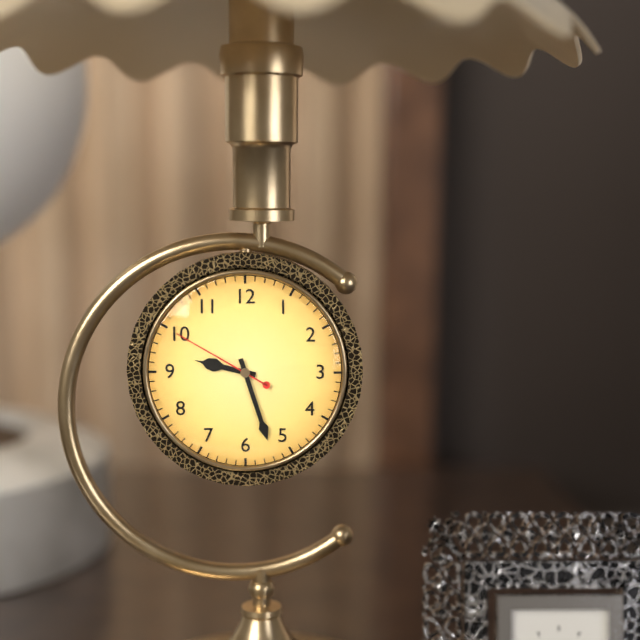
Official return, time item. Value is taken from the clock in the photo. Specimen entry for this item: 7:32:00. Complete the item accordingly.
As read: 9:27:50
